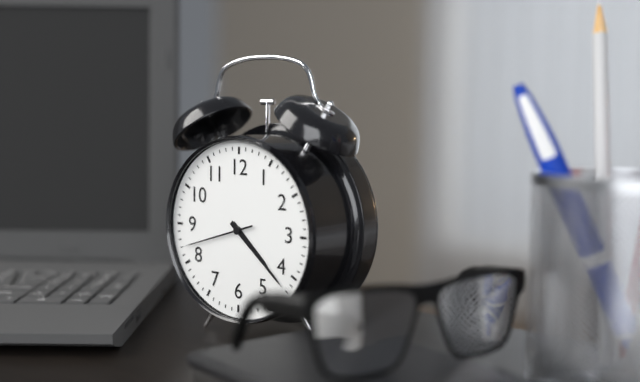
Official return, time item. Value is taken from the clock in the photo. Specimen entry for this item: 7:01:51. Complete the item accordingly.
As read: 4:22:42
